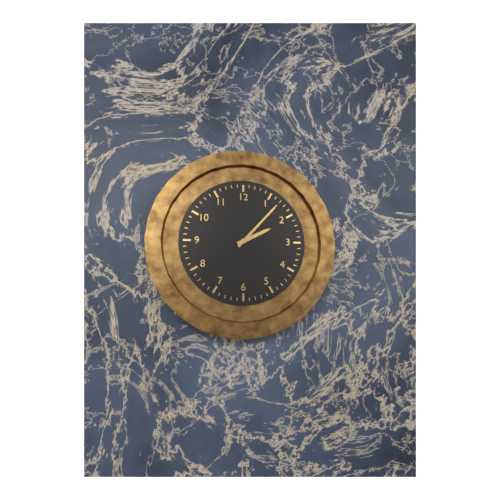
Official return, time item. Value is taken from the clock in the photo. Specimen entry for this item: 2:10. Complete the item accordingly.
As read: 2:07
